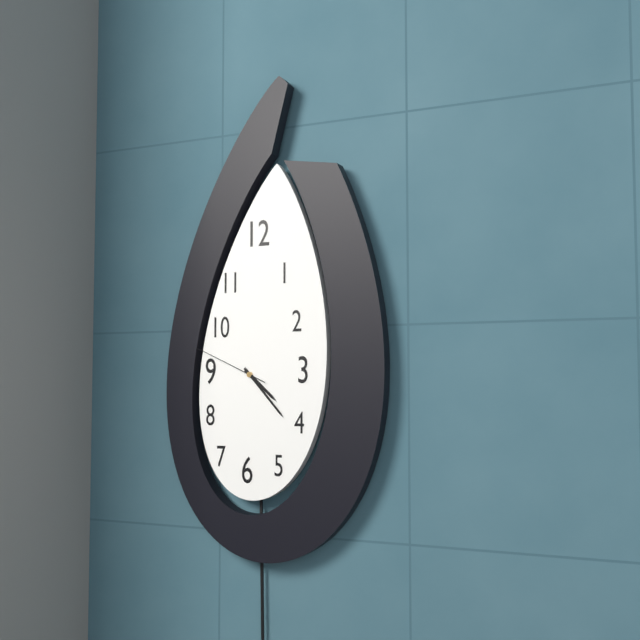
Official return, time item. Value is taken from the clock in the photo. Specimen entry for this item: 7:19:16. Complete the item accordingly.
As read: 4:23:49
